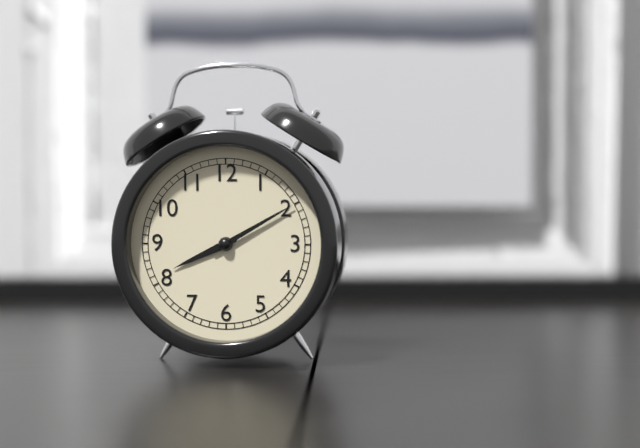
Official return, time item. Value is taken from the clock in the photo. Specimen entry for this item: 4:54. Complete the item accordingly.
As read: 8:10
